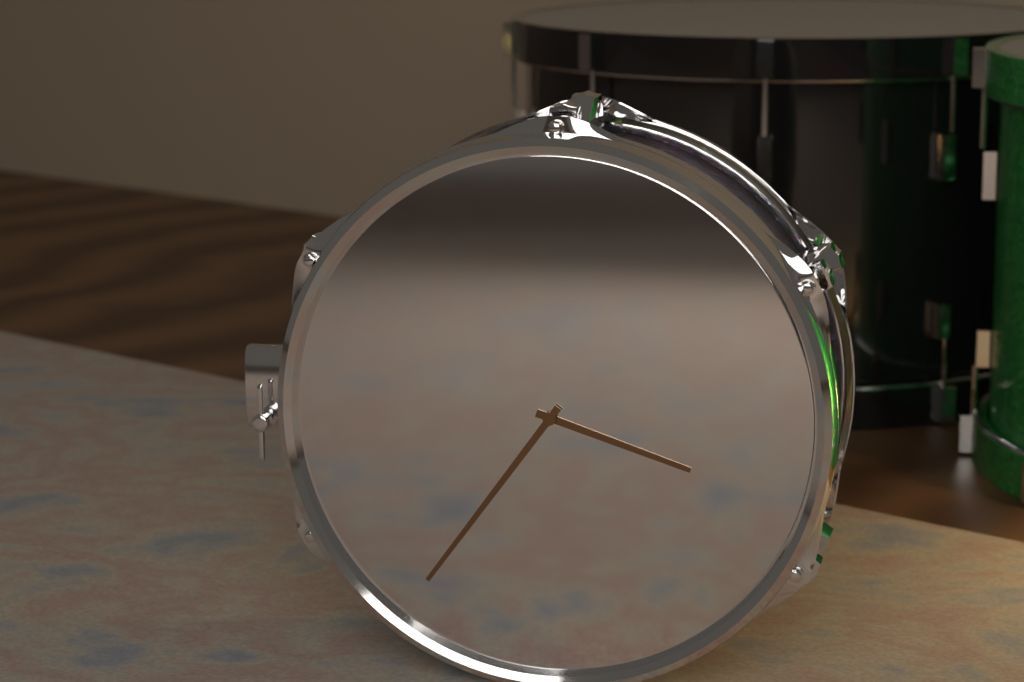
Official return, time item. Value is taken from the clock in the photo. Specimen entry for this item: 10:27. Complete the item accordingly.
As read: 3:36
